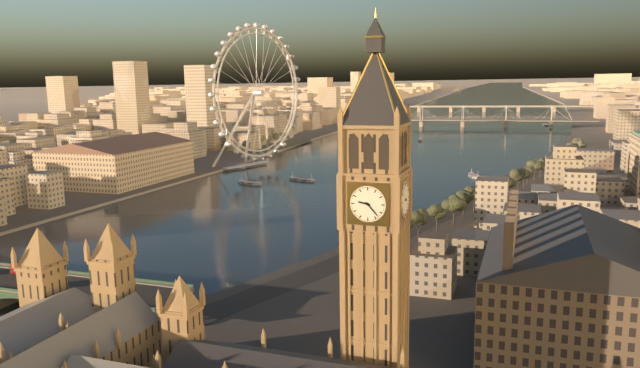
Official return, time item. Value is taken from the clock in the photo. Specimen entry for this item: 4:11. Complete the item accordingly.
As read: 9:23
